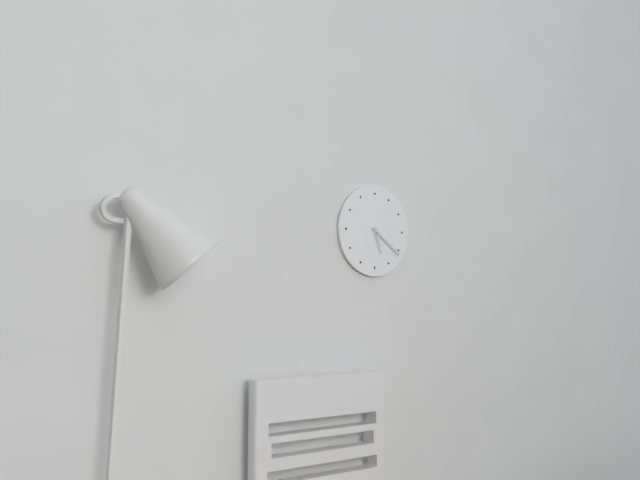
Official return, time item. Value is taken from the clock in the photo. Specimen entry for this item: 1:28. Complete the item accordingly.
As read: 5:21
